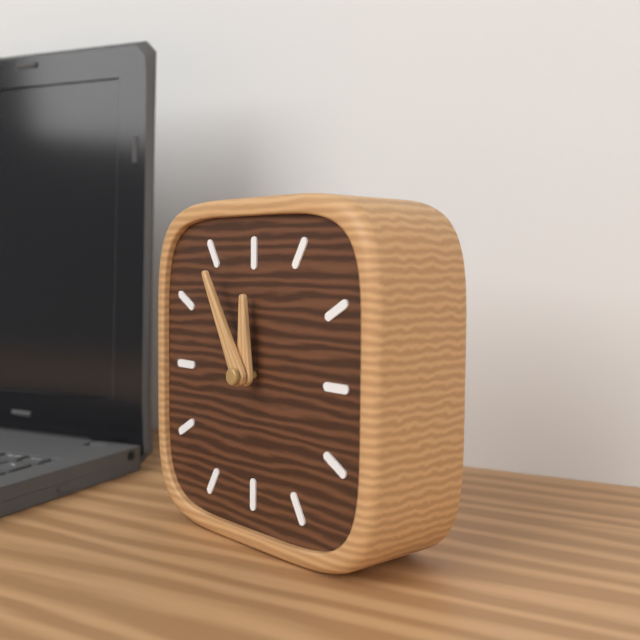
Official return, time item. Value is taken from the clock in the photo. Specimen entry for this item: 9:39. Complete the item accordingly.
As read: 11:55
